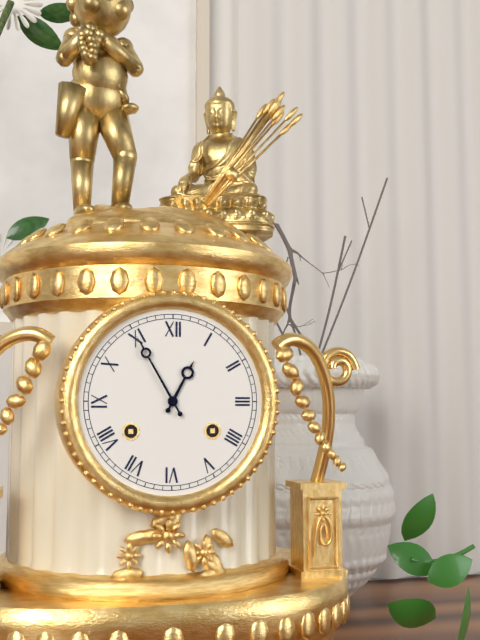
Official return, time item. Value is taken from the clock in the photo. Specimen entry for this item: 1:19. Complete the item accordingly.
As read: 12:55
